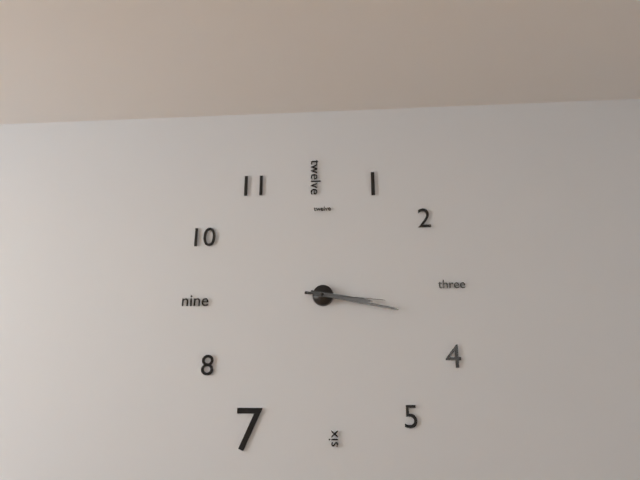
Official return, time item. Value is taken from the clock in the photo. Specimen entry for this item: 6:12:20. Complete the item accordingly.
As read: 3:17:16
